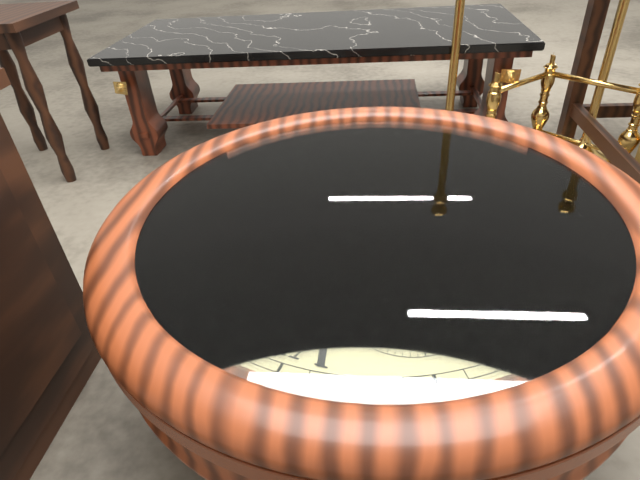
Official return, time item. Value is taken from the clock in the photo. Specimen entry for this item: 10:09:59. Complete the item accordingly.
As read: 10:09:15
